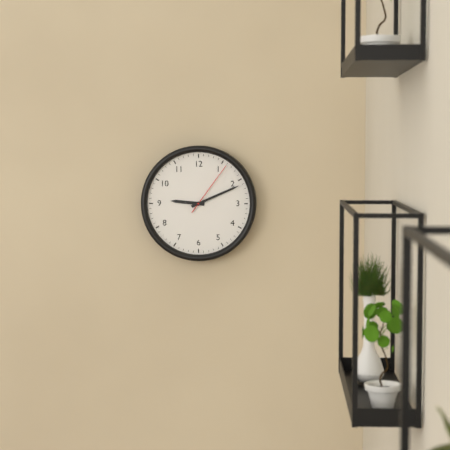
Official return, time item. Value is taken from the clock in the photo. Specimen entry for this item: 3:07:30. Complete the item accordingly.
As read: 9:11:06
